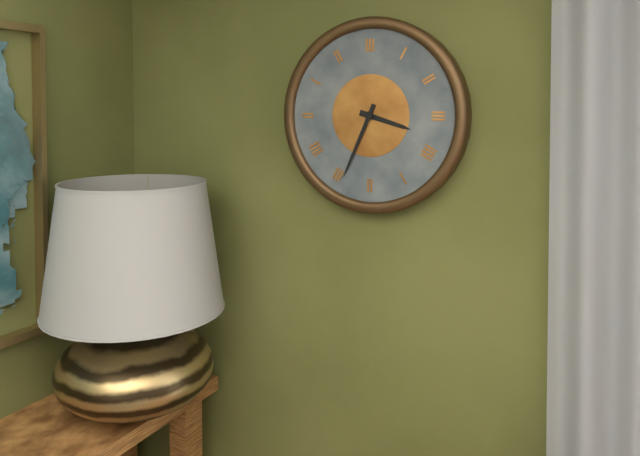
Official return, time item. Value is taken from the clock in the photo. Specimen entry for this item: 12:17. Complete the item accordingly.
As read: 3:34
